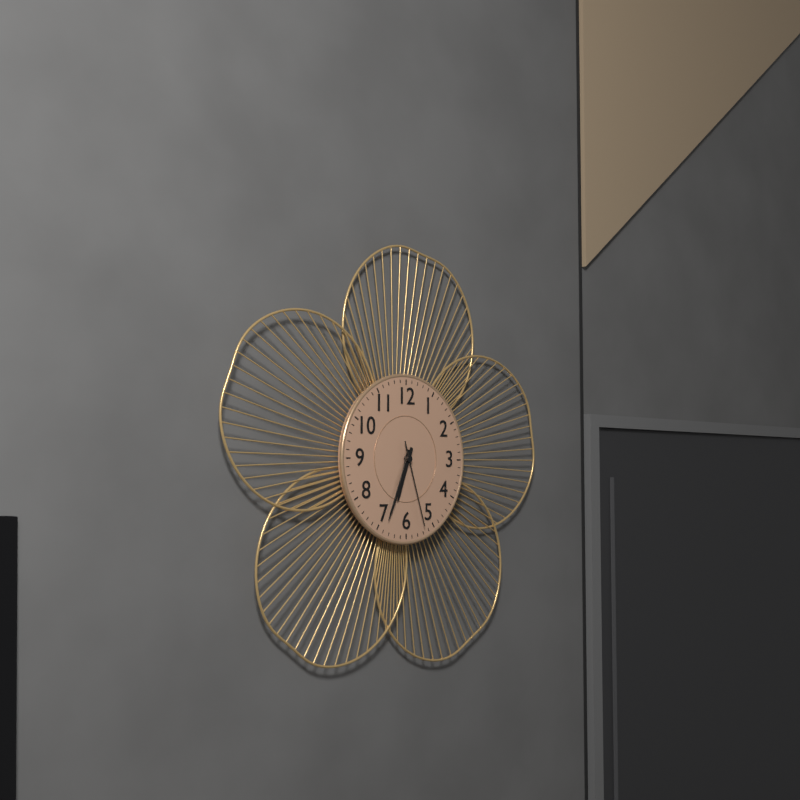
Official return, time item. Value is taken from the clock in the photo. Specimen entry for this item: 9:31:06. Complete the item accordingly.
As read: 6:34:27
